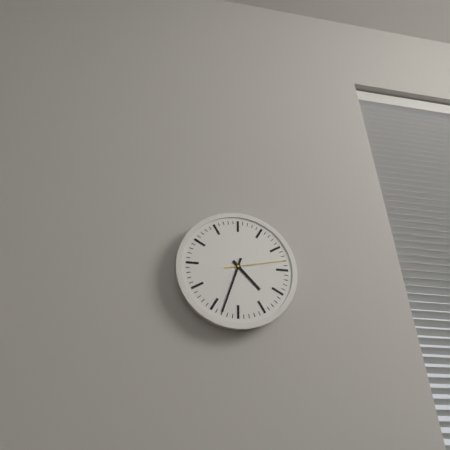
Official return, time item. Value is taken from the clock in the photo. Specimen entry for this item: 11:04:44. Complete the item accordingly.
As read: 4:33:13
